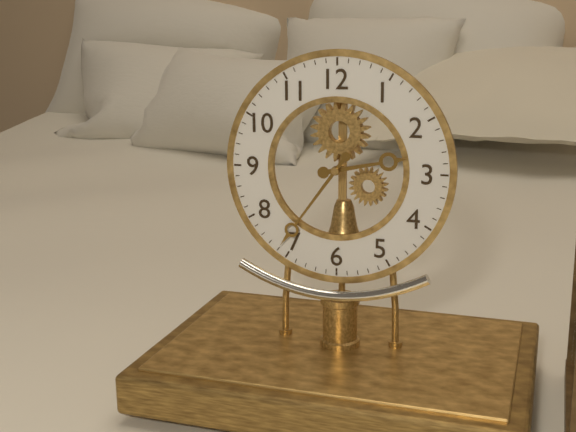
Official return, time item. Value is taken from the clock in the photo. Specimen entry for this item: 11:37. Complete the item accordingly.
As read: 2:36
